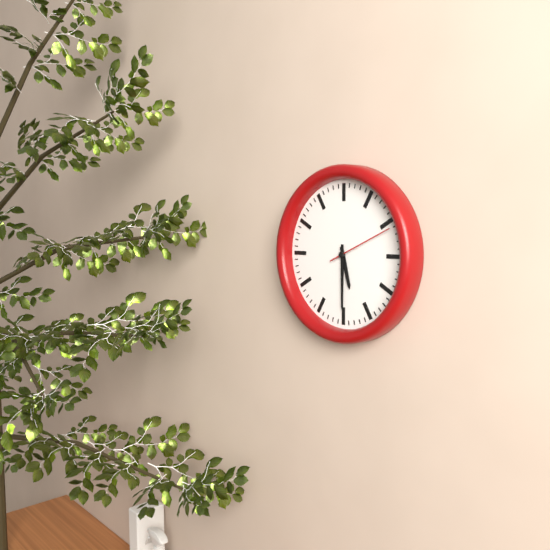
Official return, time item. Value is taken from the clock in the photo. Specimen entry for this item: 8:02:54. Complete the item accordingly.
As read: 5:30:11
